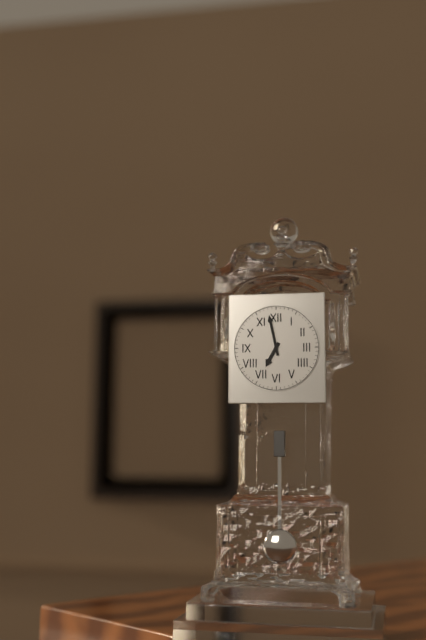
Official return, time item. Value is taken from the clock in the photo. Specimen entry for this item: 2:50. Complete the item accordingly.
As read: 6:58
